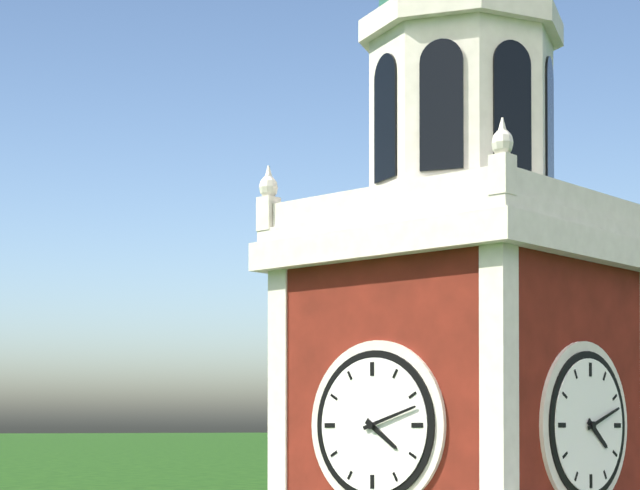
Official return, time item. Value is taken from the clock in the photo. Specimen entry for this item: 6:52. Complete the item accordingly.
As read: 4:12
